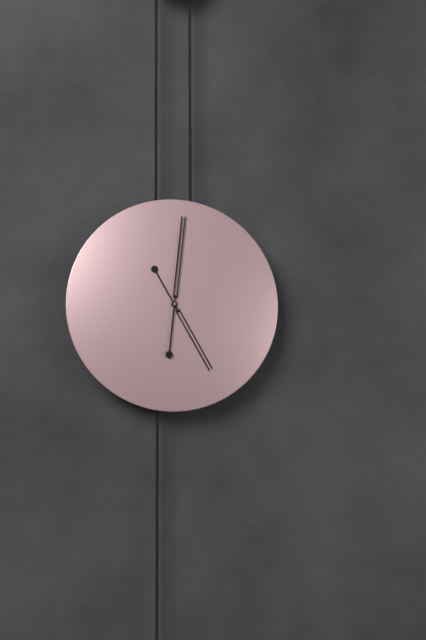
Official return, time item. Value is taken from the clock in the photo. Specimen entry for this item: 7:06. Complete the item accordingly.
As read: 5:01
